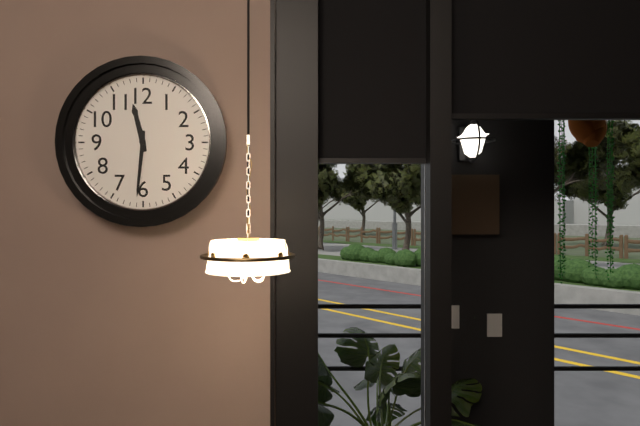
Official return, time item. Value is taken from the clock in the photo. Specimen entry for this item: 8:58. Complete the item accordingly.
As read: 11:31
